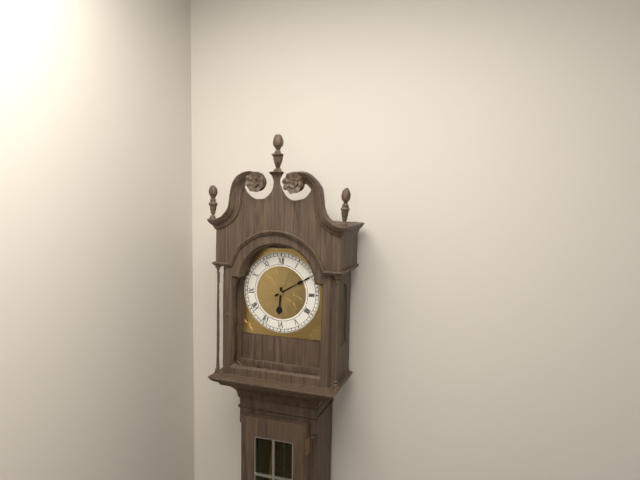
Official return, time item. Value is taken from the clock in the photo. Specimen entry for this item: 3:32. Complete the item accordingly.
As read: 6:10
